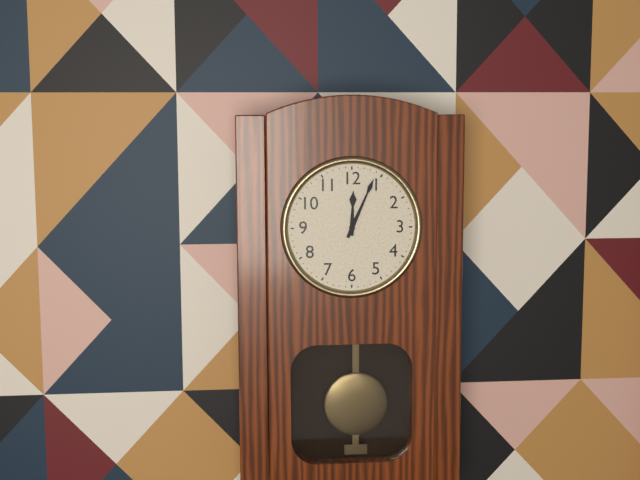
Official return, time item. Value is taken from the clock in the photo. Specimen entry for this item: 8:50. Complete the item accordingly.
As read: 12:04
